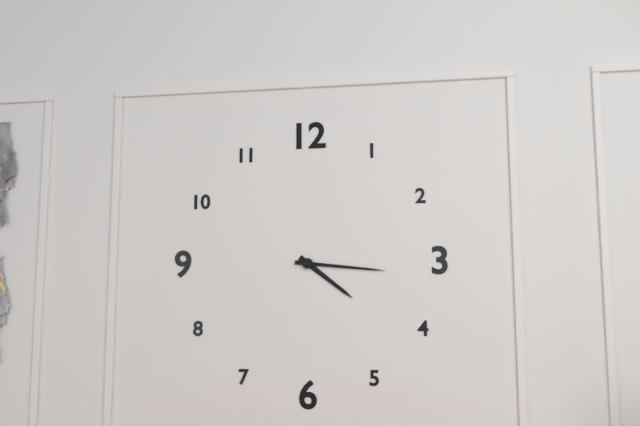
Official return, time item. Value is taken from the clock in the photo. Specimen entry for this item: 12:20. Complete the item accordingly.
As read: 4:16
